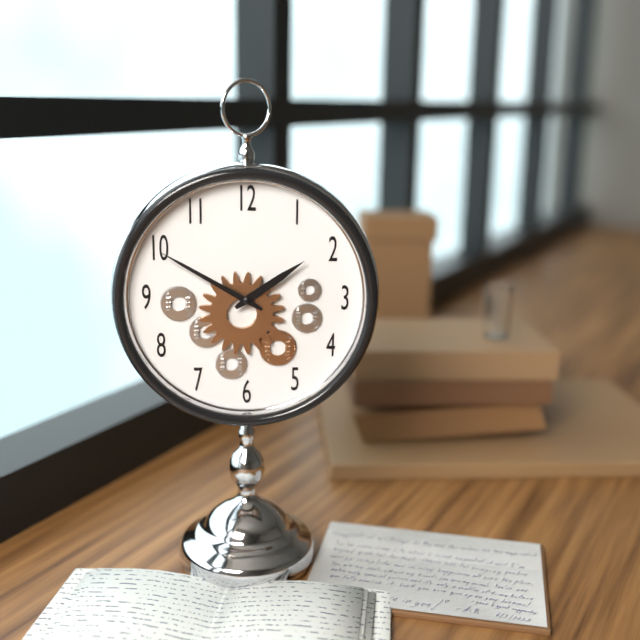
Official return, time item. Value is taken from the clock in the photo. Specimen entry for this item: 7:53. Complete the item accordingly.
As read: 1:50
